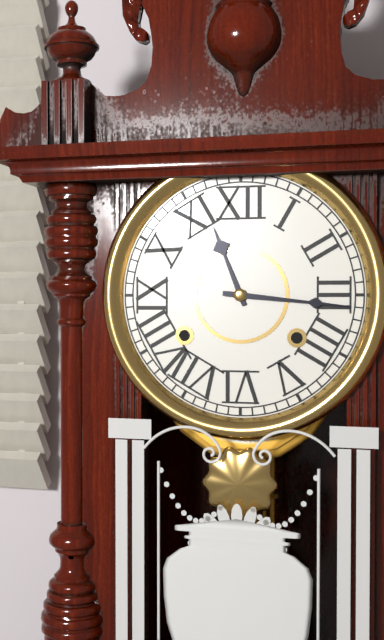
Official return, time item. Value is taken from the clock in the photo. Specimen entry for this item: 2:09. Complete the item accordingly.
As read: 11:16
